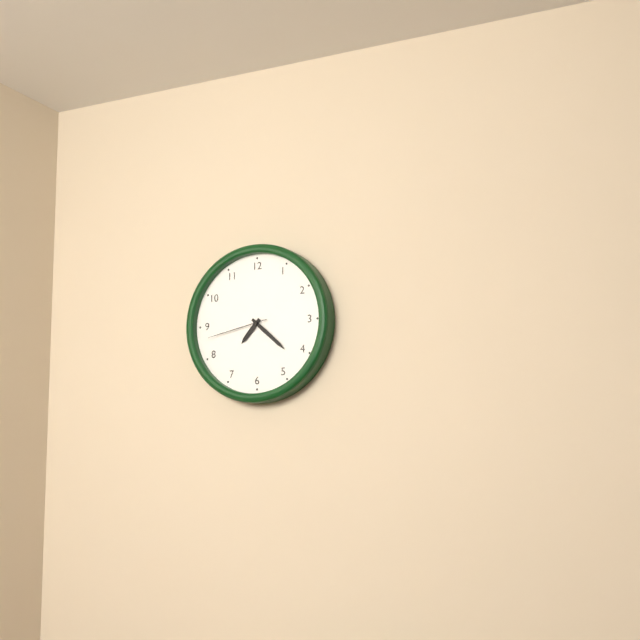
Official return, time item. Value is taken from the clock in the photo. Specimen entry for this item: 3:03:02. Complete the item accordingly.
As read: 7:22:43
